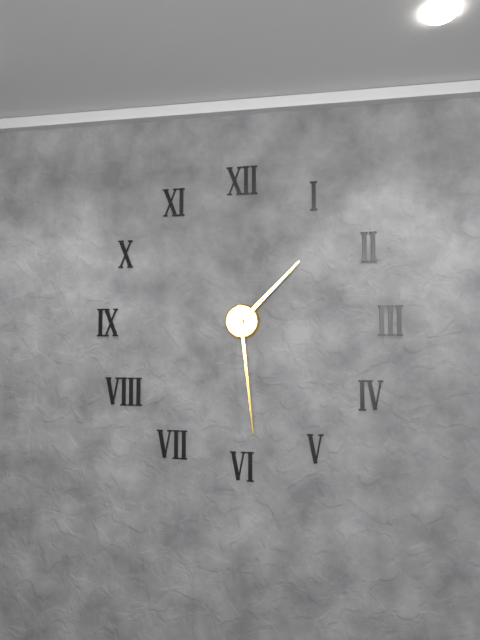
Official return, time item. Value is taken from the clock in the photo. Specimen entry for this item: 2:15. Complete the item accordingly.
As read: 1:29
